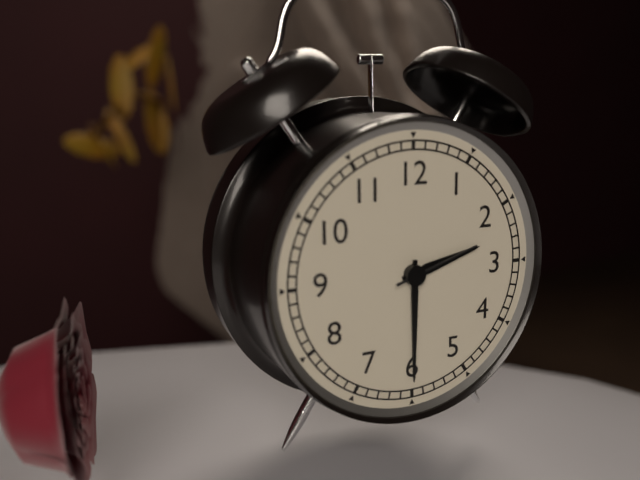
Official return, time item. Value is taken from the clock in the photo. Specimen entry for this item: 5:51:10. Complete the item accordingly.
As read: 2:30:12
